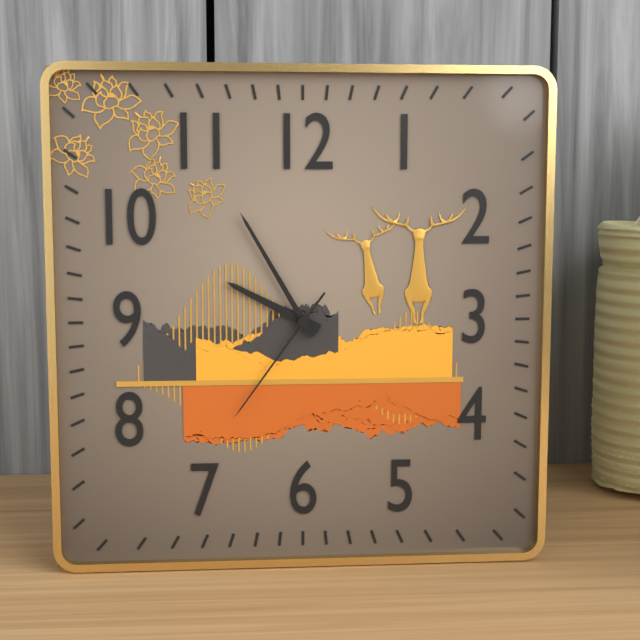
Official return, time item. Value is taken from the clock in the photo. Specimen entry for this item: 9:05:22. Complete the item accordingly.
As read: 9:55:36
